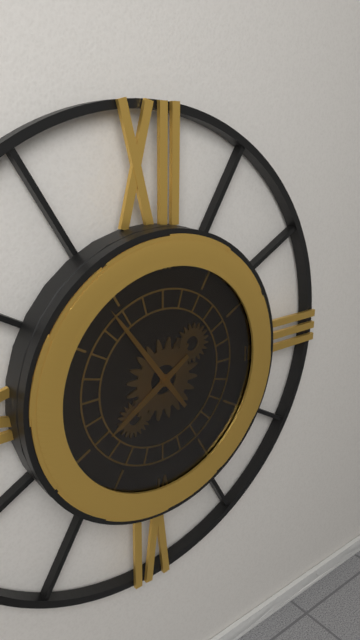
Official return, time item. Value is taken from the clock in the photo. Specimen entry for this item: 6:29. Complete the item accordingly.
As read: 7:54
